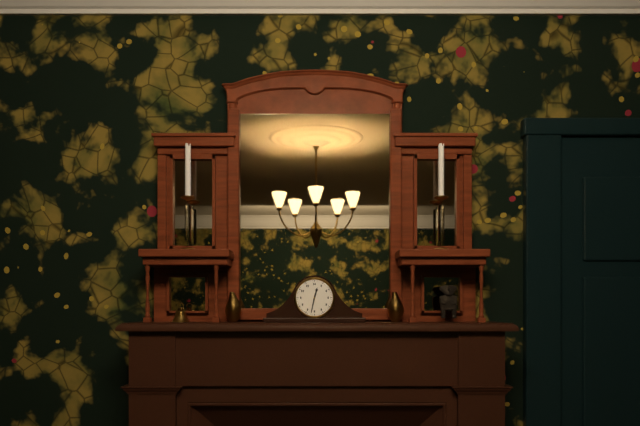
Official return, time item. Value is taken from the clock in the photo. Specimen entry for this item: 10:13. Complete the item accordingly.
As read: 12:32
